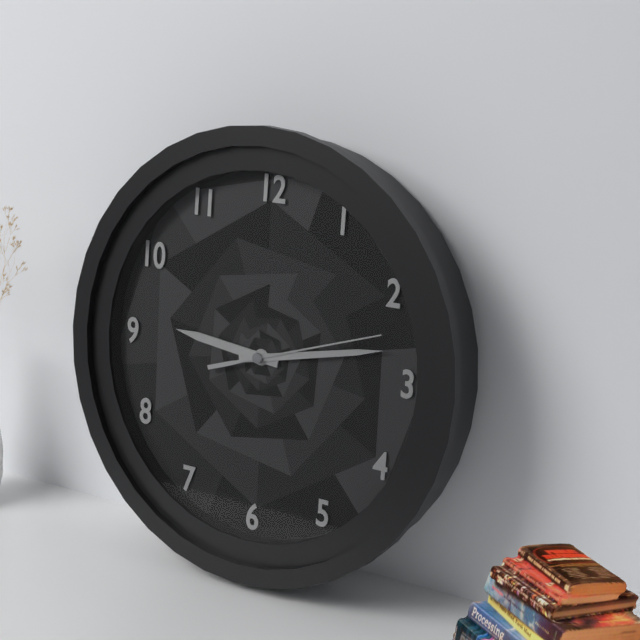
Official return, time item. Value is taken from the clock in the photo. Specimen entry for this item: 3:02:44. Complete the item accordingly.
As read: 9:13:12
